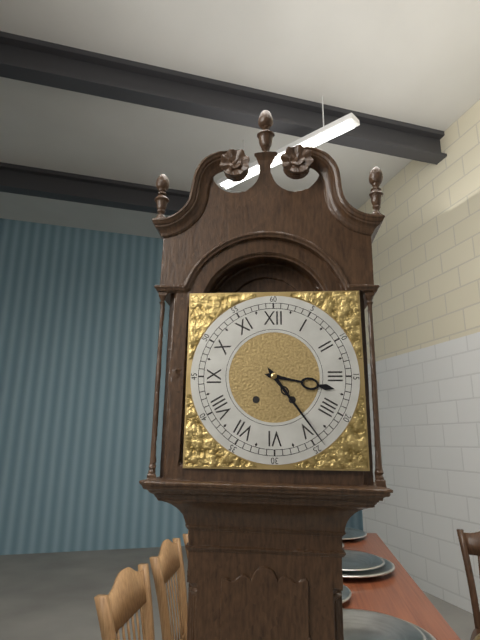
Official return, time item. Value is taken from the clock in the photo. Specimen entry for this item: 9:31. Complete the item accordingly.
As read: 3:24
